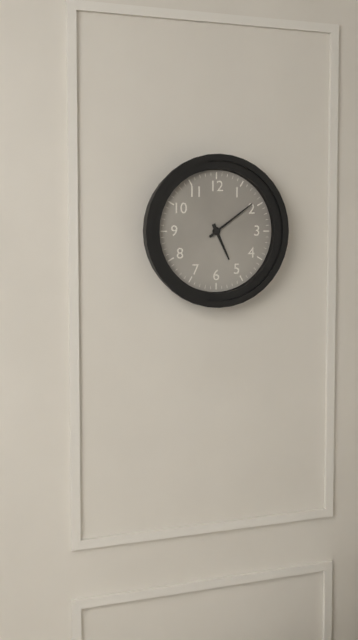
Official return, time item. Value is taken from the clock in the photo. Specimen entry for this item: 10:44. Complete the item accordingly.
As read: 5:09
